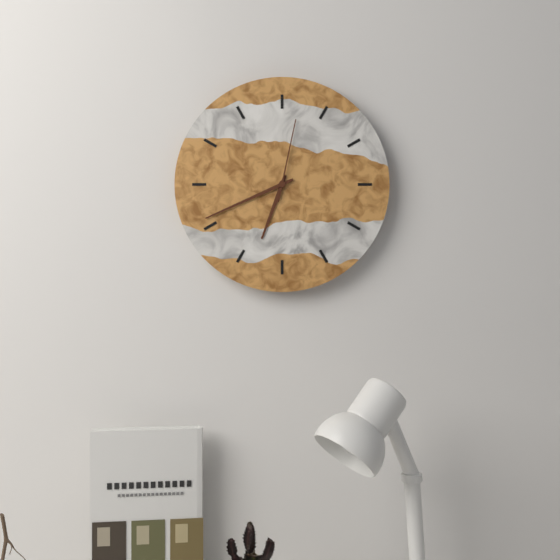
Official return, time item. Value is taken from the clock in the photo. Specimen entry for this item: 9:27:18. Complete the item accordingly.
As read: 6:41:02
